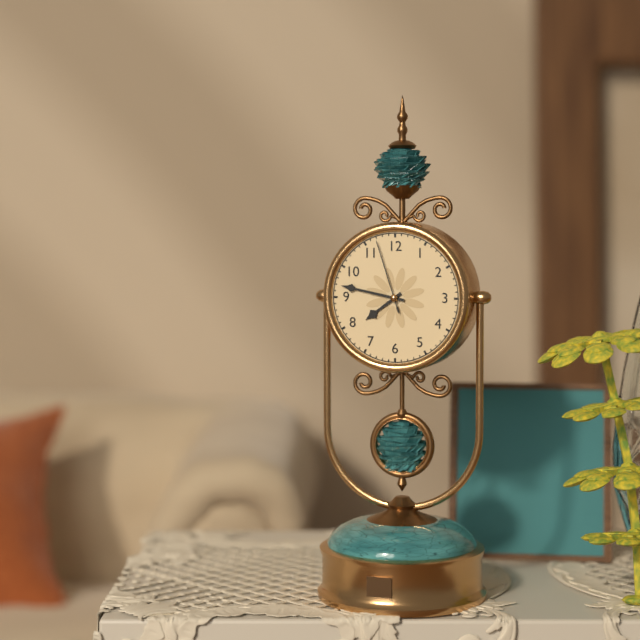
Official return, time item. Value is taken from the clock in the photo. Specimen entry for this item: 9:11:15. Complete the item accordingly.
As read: 7:47:57
